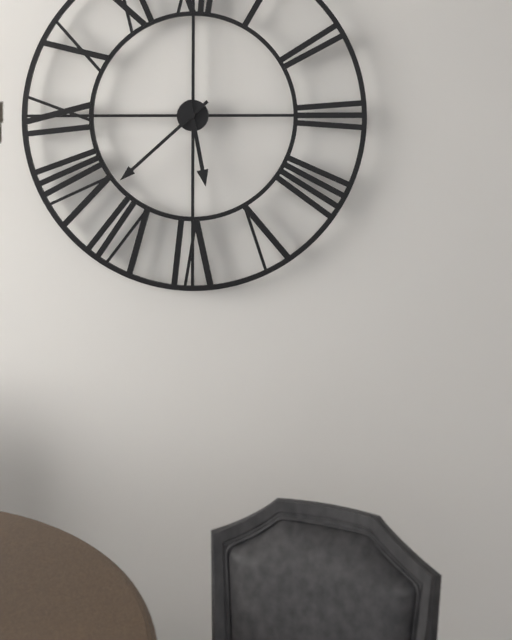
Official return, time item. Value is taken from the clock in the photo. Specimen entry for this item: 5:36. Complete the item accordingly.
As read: 5:38
